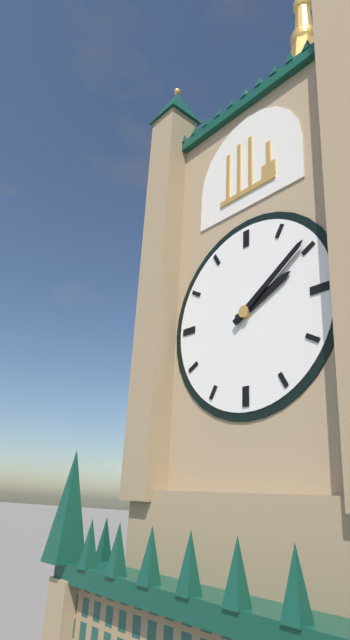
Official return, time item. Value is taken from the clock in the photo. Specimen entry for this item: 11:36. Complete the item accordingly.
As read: 2:09
